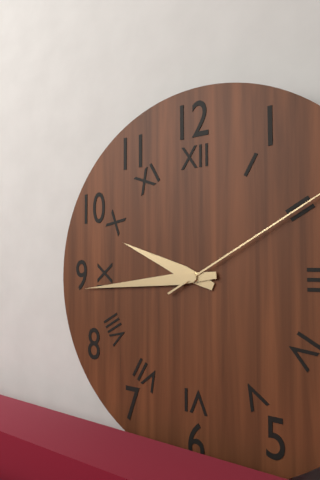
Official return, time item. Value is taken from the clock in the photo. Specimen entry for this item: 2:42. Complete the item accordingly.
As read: 9:44
